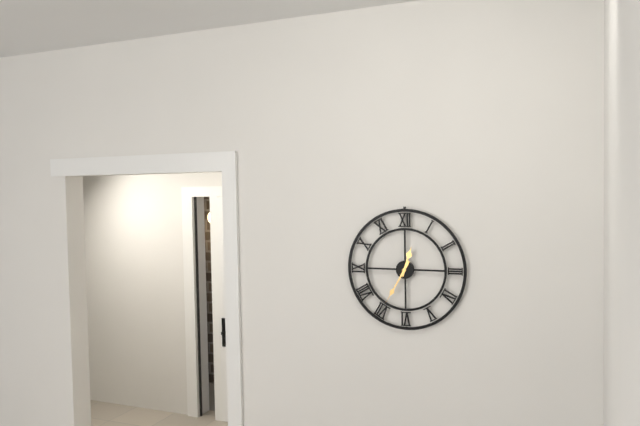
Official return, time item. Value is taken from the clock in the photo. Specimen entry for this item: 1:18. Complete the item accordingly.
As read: 12:35
